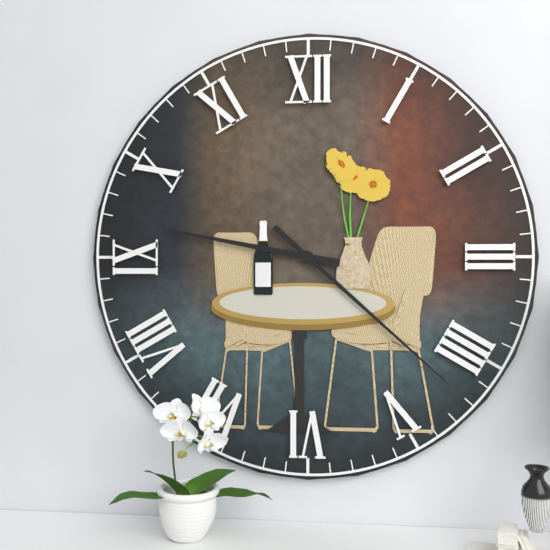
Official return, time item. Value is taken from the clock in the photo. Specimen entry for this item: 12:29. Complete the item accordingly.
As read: 9:22
